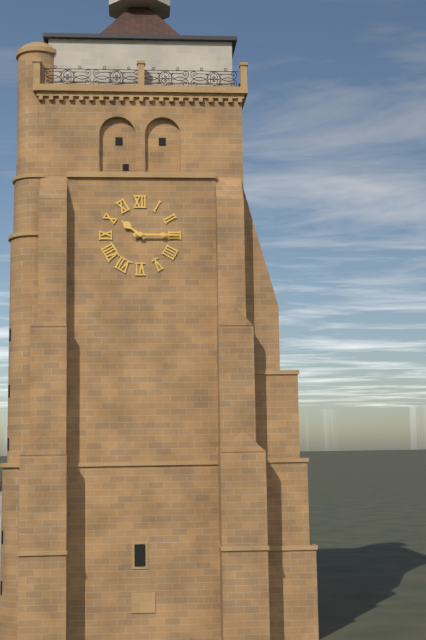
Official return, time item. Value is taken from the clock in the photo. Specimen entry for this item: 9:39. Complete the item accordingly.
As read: 10:15
